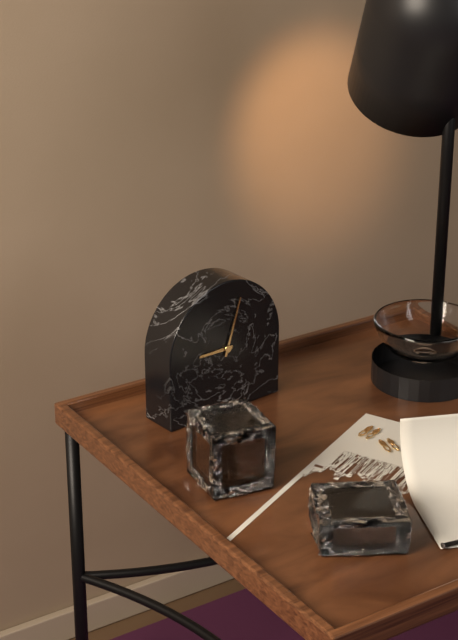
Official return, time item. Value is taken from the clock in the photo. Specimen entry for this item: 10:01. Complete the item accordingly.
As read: 9:03
